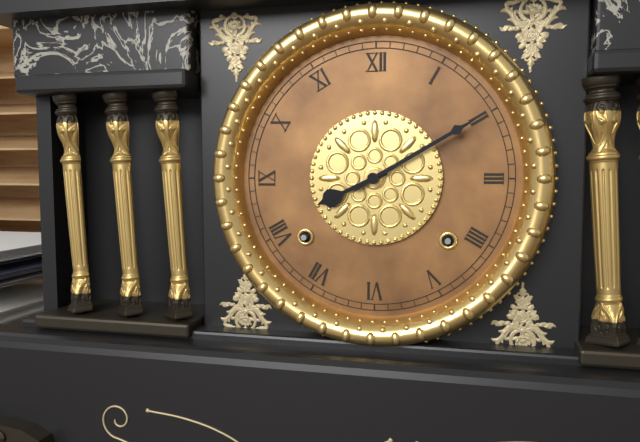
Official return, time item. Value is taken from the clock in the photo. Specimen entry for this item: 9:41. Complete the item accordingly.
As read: 8:10
